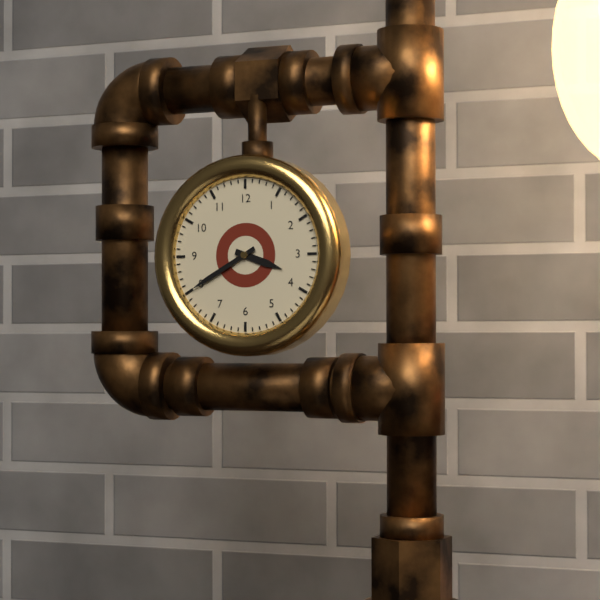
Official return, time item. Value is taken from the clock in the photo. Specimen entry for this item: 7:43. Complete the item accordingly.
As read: 3:40
